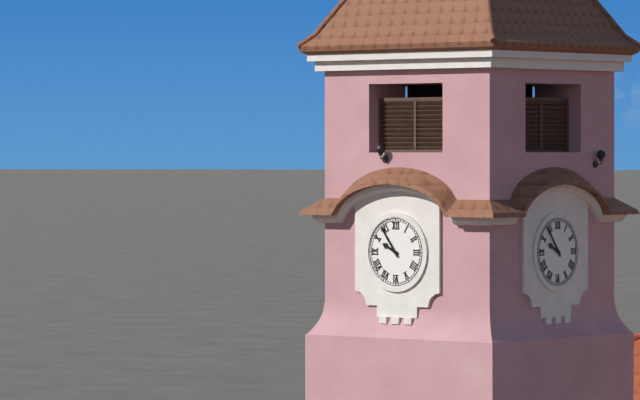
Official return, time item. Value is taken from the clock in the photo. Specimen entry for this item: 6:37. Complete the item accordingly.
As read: 9:54
